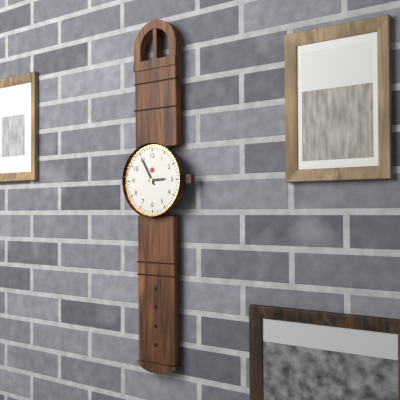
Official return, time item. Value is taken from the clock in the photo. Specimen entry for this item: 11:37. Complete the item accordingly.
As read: 2:55
